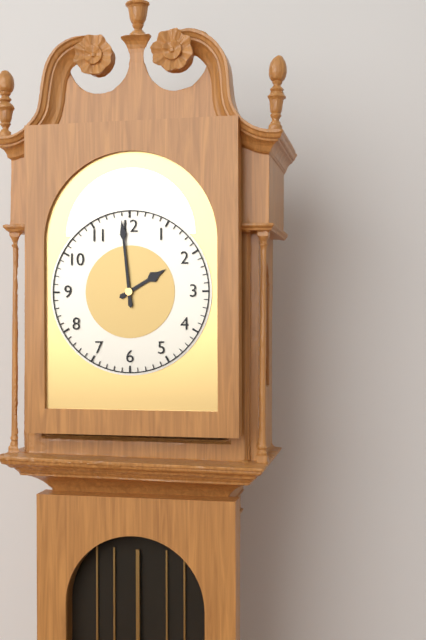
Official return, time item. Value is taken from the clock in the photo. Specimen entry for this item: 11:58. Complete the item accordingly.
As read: 1:59
